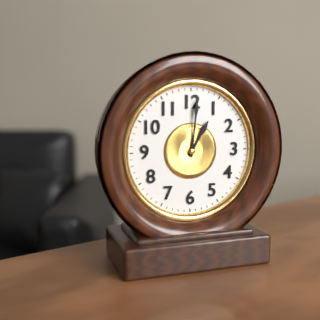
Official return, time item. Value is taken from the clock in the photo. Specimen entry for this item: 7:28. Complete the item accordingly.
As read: 1:01
